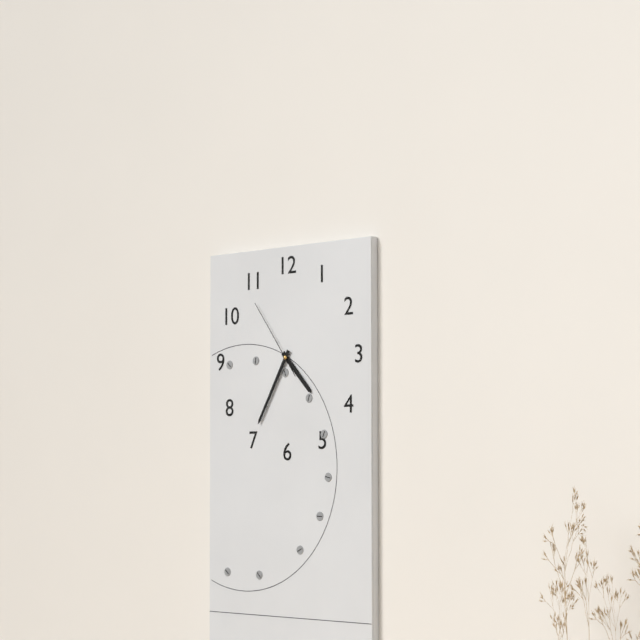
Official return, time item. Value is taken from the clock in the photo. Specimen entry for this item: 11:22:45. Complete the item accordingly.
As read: 4:35:54
